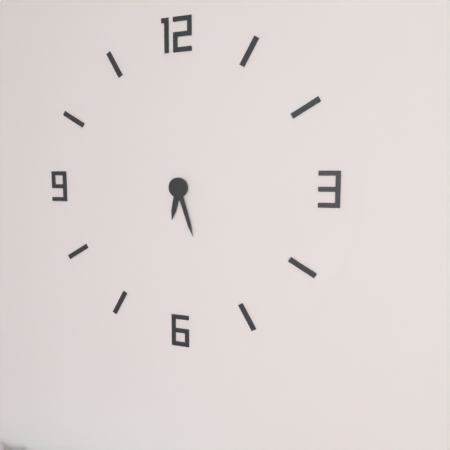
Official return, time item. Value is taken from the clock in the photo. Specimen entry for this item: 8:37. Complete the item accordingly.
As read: 6:27
